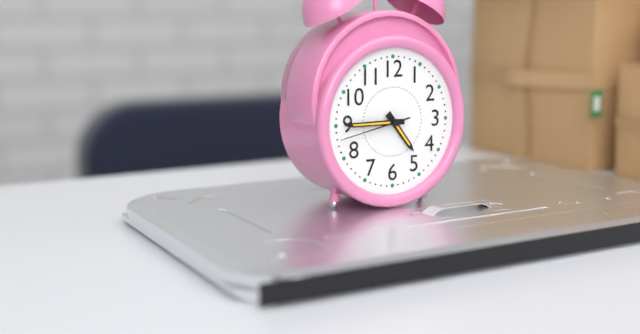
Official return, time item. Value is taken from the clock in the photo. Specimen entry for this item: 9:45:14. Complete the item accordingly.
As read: 4:45:43
